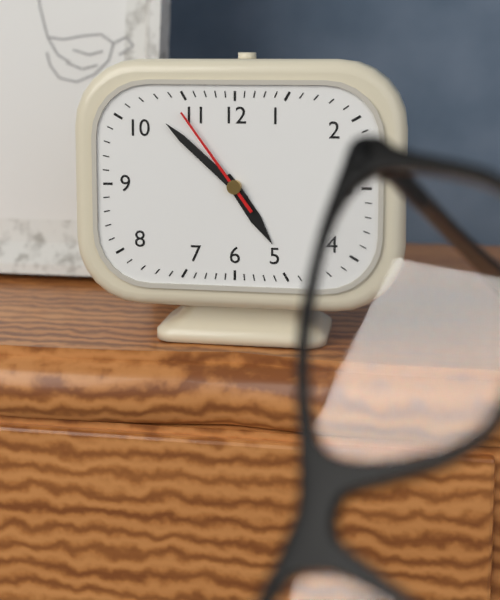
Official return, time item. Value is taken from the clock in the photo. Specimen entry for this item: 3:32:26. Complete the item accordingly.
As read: 4:52:54
